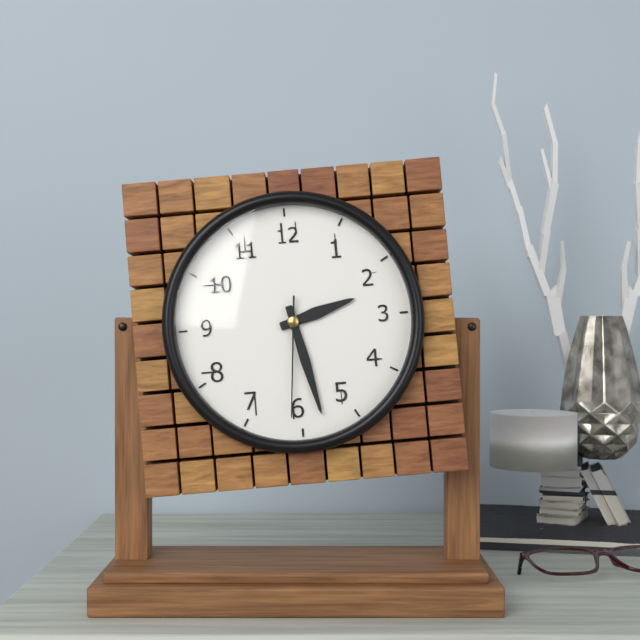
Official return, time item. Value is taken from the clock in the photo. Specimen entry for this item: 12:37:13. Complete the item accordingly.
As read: 2:28:31
